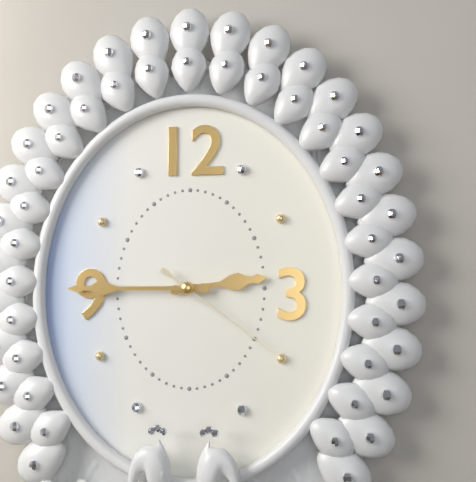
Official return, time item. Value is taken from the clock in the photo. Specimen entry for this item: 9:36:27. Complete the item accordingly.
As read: 2:45:21
